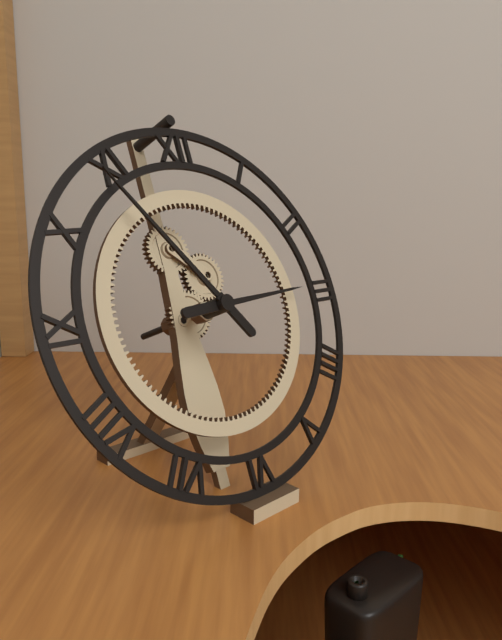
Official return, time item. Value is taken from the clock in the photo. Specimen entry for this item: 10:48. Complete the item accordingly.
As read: 2:54
